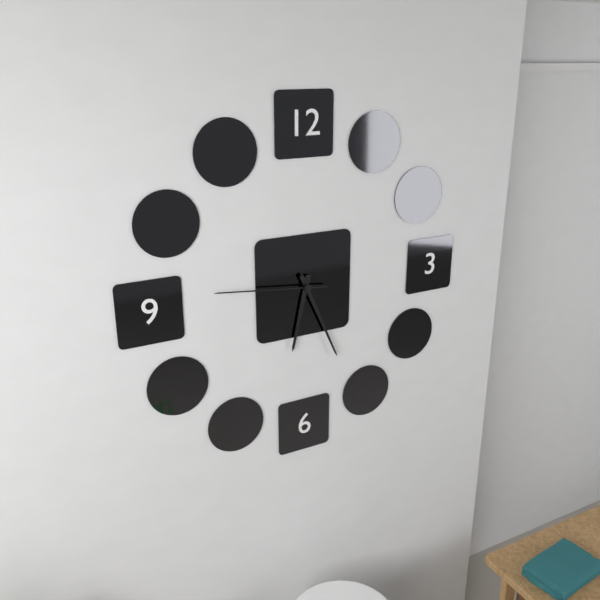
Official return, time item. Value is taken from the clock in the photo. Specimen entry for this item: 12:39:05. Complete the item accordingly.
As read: 6:26:46
